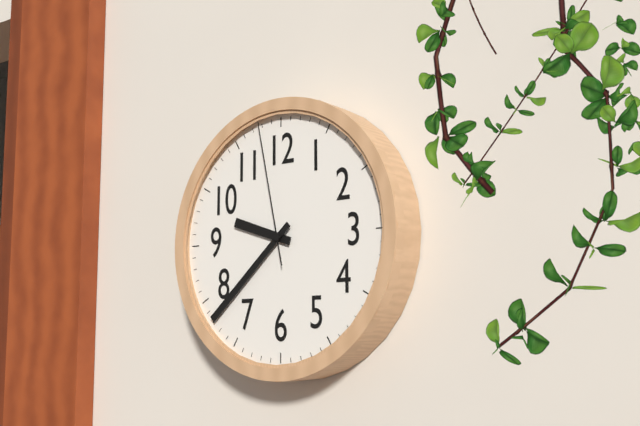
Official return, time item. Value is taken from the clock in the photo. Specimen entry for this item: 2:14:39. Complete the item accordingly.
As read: 9:38:58
